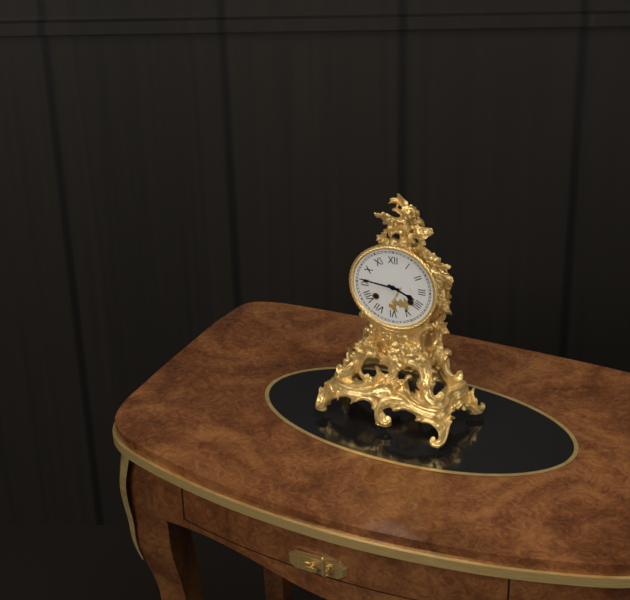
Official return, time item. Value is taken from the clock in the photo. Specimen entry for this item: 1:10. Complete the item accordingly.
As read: 3:46
